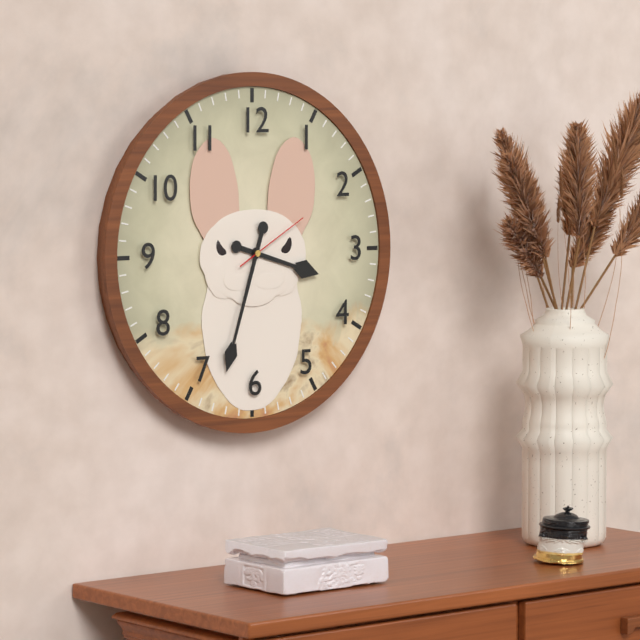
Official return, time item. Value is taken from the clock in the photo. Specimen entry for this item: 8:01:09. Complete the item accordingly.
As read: 3:33:10
